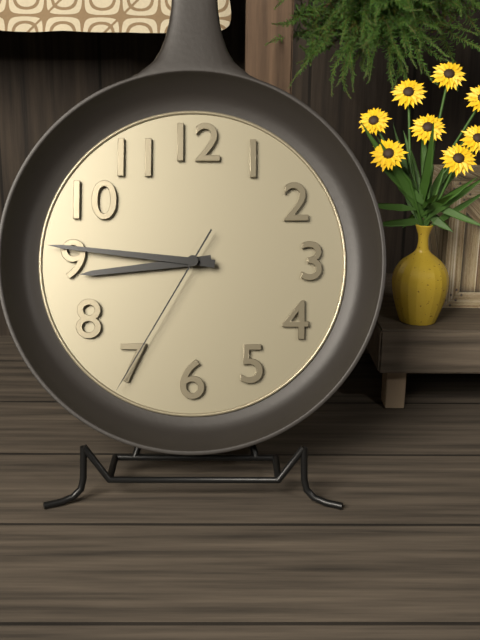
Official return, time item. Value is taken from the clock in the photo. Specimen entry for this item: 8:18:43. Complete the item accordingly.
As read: 8:46:35
